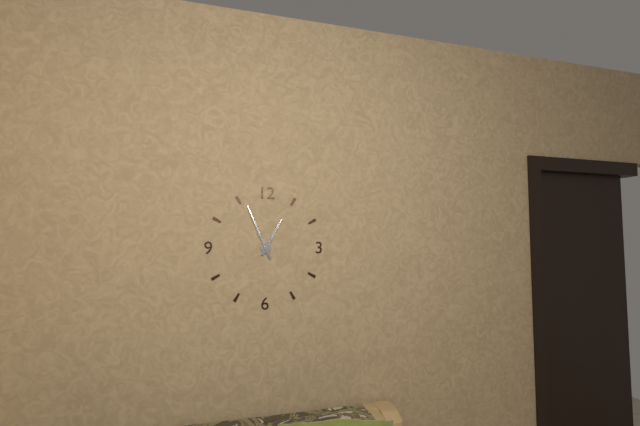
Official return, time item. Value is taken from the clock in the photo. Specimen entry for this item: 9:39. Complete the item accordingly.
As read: 12:56
